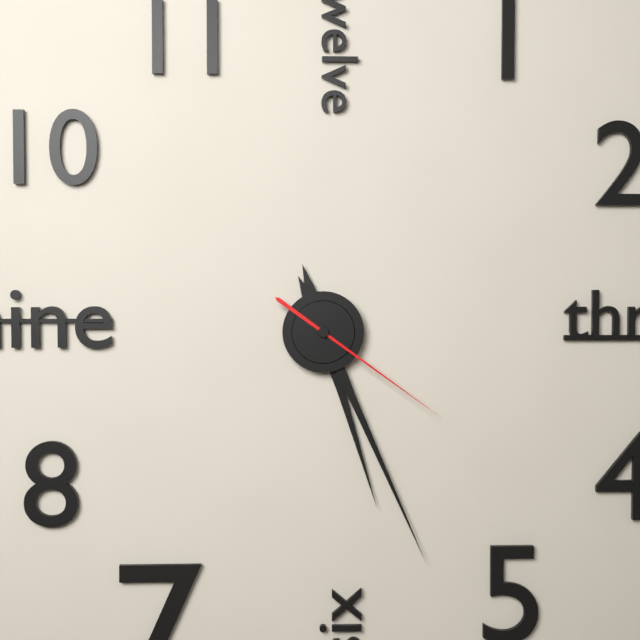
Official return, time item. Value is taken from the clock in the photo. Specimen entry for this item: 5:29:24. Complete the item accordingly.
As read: 5:26:21
